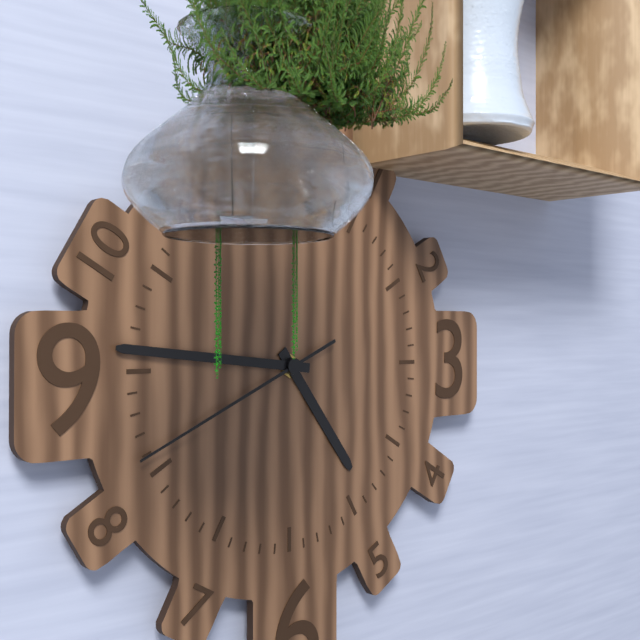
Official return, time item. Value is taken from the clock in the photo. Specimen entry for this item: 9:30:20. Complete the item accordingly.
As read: 4:46:41
